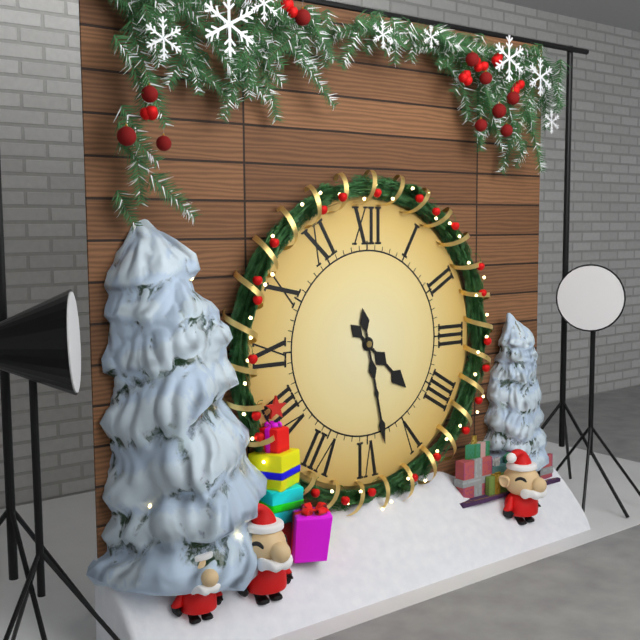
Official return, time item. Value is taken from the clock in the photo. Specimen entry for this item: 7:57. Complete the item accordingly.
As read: 4:28
